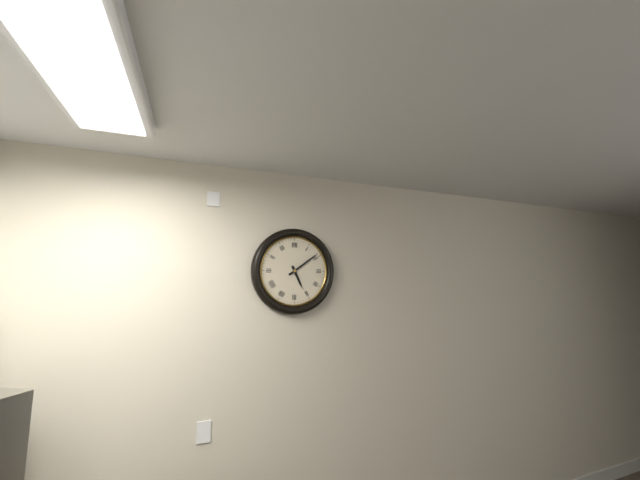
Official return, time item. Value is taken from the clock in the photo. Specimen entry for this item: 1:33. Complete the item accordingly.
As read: 5:09
